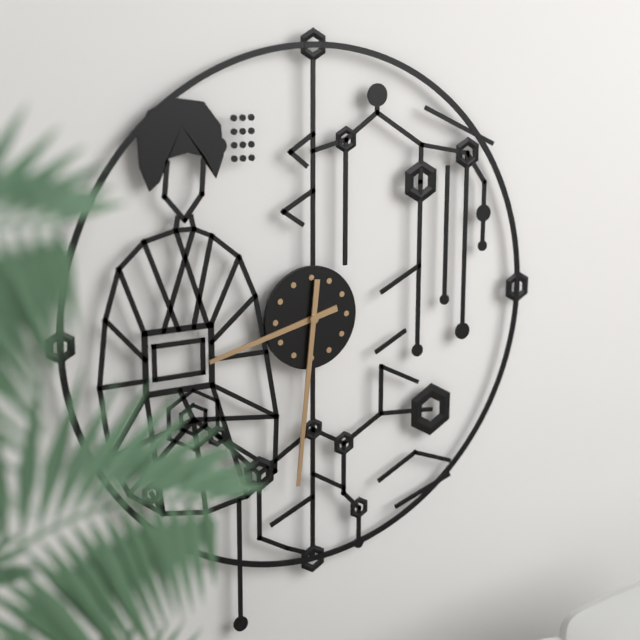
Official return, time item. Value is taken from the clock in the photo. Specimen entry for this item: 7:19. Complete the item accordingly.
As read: 8:31
